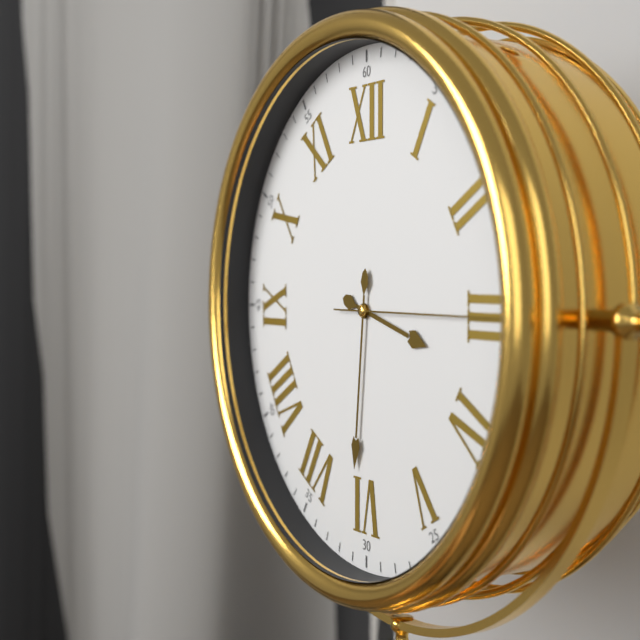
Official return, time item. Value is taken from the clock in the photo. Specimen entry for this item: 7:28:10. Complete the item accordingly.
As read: 3:31:15
